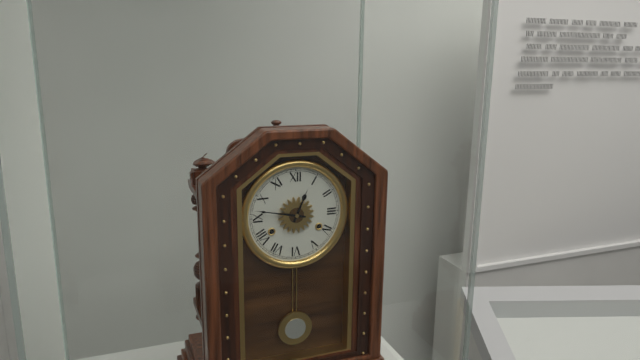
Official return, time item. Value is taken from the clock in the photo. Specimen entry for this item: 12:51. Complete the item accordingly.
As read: 12:47
